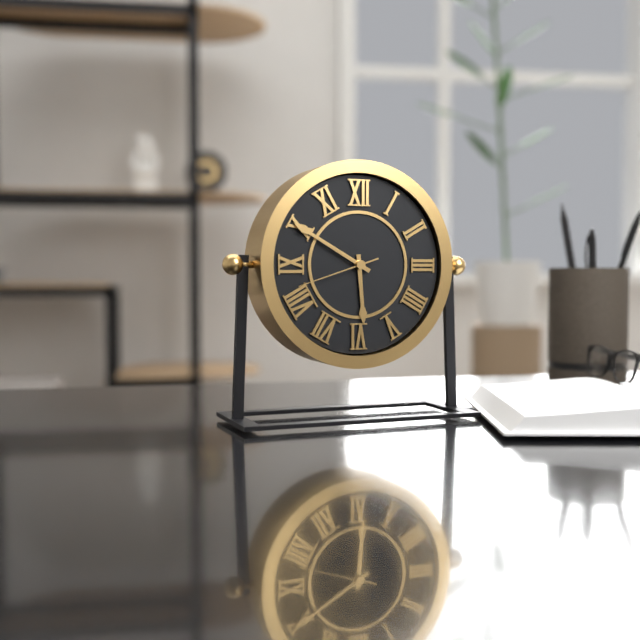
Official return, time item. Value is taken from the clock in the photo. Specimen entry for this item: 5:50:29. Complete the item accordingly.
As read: 5:50:42
